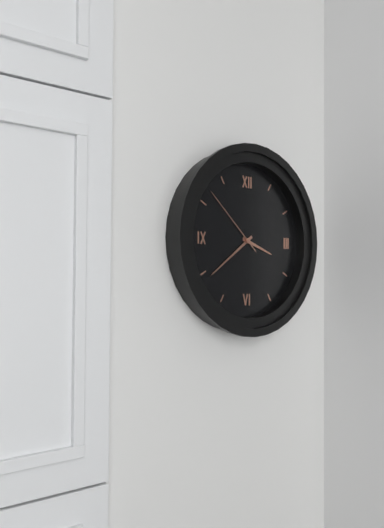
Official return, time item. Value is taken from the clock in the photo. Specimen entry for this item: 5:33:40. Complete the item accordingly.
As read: 3:39:52
